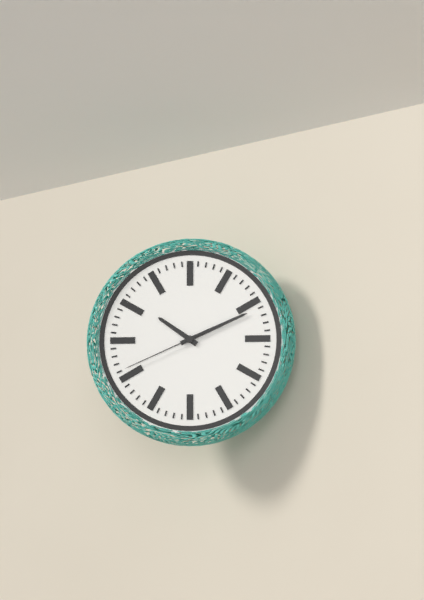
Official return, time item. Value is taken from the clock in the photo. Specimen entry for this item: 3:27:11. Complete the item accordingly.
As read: 10:11:41
